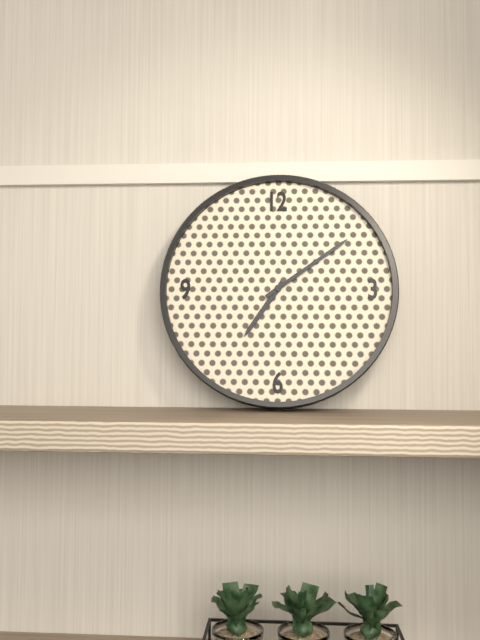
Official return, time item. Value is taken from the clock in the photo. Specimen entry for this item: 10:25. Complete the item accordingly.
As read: 7:09
